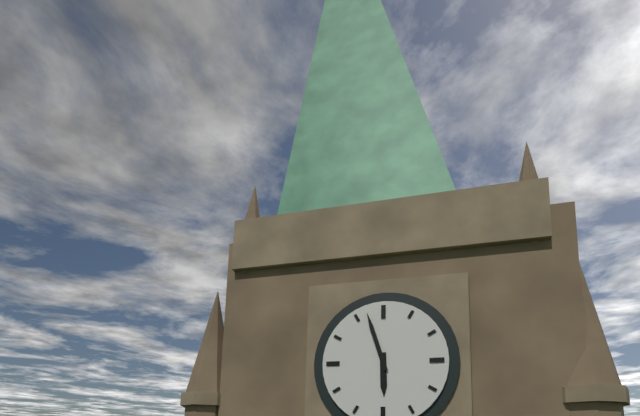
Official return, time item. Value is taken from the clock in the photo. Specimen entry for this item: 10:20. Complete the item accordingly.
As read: 5:57
